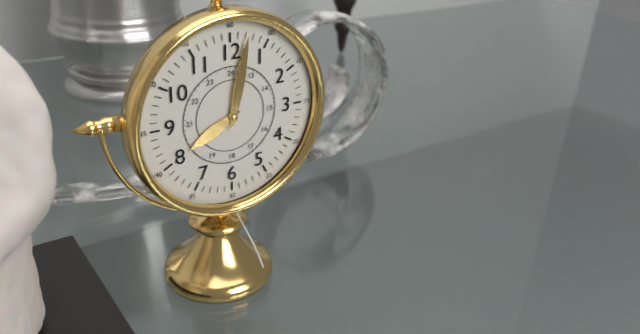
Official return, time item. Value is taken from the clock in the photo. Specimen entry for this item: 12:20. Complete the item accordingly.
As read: 8:02
